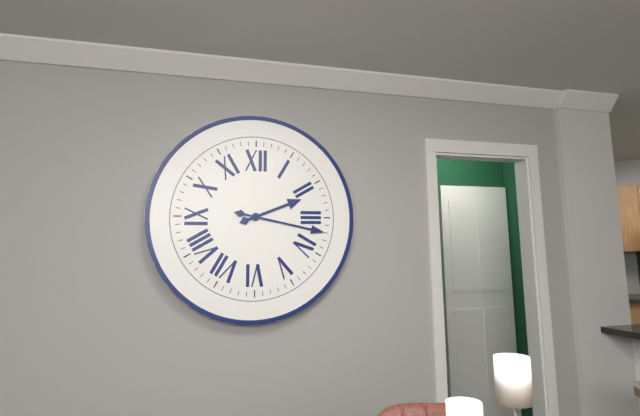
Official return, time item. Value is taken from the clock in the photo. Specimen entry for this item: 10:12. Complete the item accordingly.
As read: 2:17
